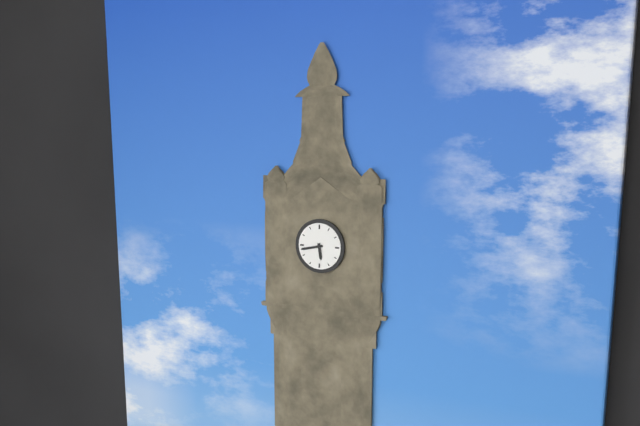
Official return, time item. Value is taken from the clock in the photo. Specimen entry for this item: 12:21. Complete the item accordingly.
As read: 5:43
